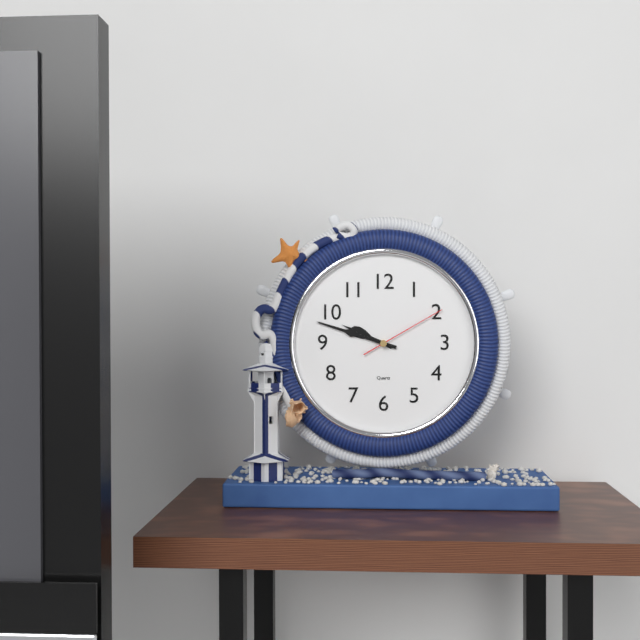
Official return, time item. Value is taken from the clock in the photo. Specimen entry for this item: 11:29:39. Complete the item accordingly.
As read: 9:48:10
